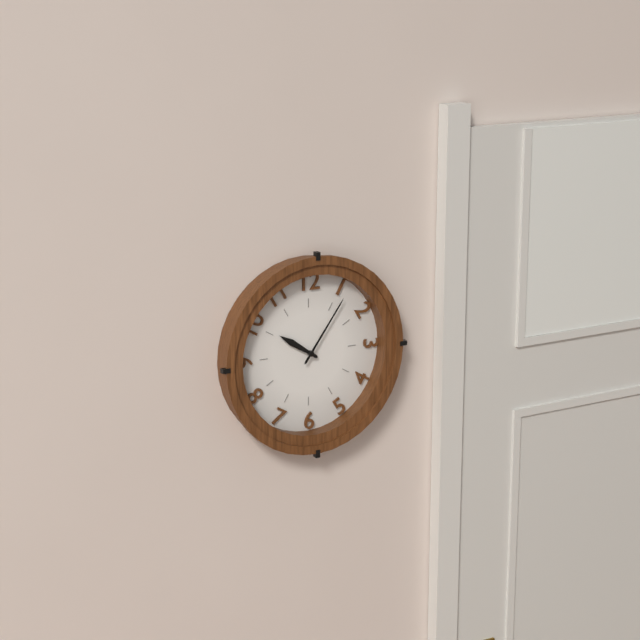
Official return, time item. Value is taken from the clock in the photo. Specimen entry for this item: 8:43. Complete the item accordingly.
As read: 10:06
